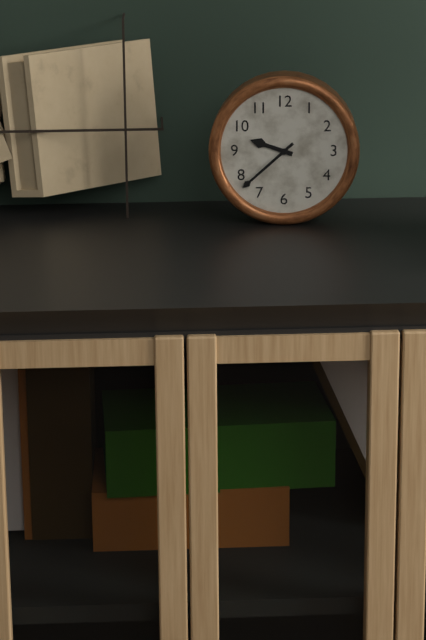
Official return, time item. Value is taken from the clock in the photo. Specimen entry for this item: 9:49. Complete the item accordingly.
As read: 9:38
